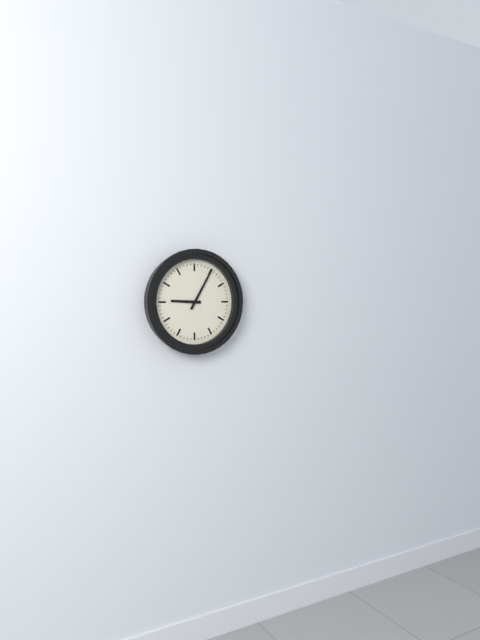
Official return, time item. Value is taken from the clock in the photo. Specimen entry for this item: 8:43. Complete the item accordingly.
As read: 9:05
